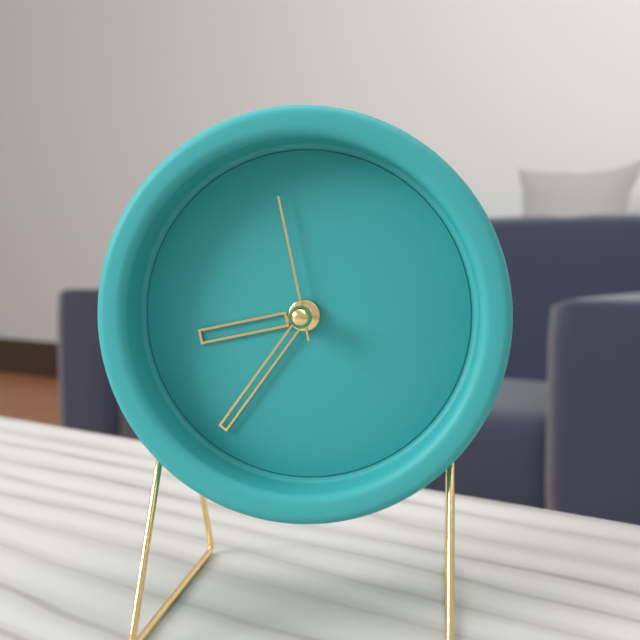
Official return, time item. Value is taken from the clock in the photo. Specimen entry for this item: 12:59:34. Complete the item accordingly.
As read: 8:36:58
